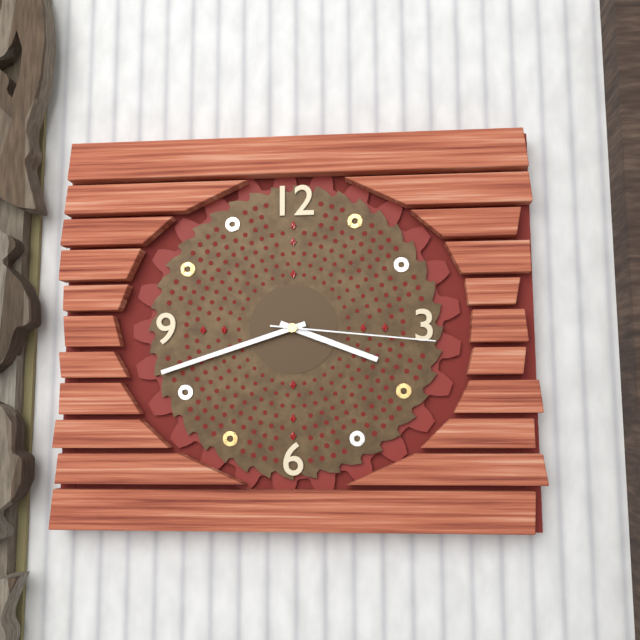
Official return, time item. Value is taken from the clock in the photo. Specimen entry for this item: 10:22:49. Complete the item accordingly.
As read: 3:42:16
